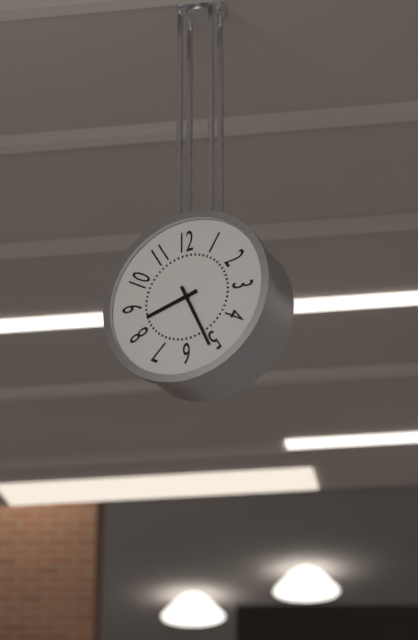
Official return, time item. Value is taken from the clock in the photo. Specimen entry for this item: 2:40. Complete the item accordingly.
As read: 8:26
